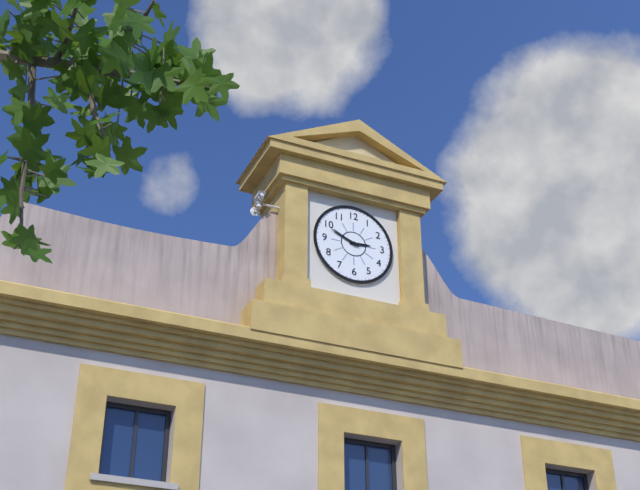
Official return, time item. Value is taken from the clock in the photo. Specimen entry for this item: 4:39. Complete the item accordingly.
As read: 2:49
